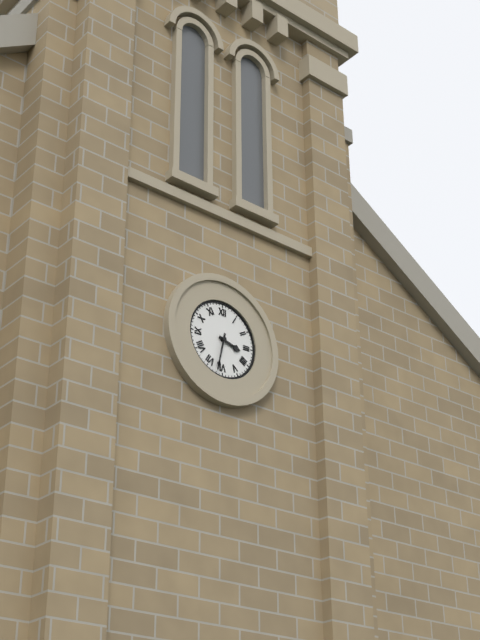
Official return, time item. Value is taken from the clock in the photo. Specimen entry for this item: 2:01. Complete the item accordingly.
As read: 3:32
